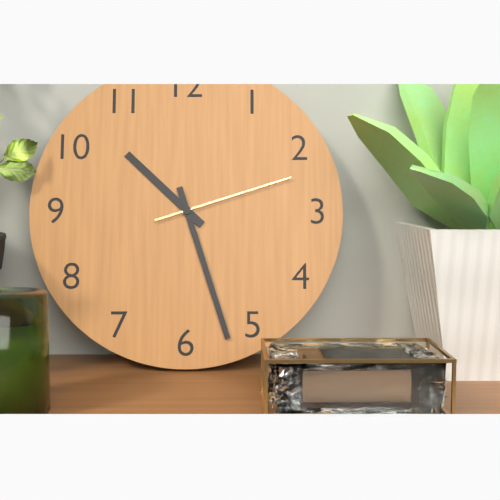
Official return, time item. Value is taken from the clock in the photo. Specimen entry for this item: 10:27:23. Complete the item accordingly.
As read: 10:27:12
